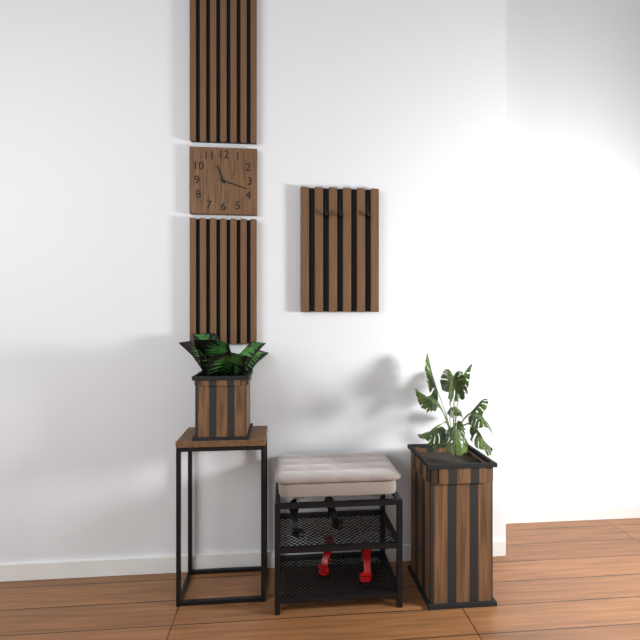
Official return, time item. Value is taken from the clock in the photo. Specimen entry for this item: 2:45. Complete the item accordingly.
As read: 11:18
